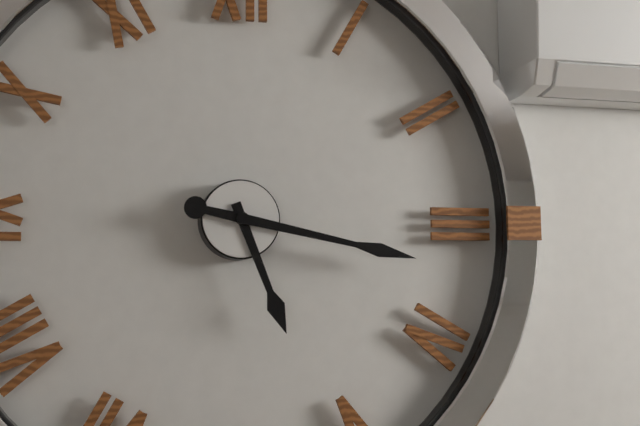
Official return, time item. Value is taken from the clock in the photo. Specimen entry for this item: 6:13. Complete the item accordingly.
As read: 5:17
